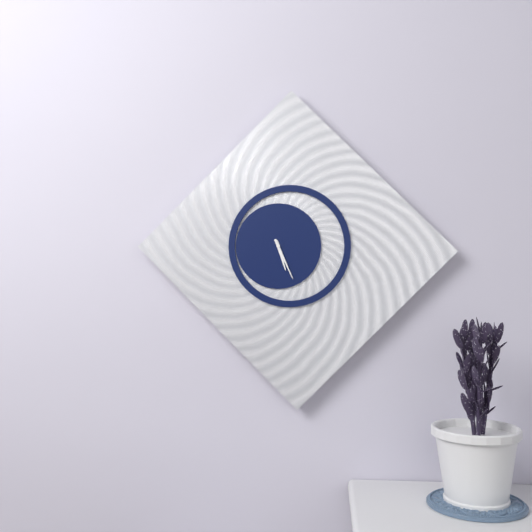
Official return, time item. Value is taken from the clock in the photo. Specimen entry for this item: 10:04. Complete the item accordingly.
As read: 5:26
